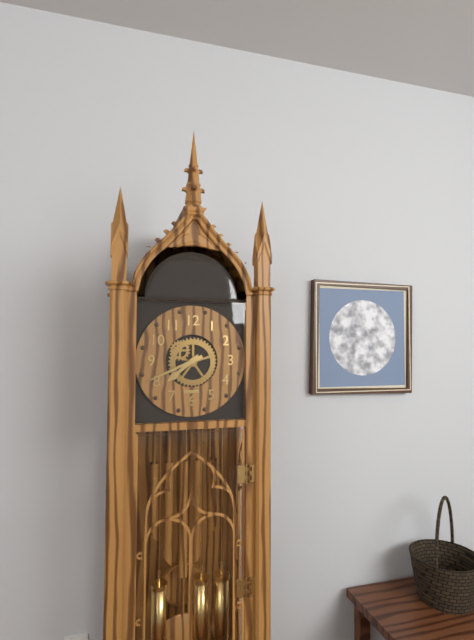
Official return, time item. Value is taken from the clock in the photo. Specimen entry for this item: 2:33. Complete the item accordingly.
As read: 7:41
